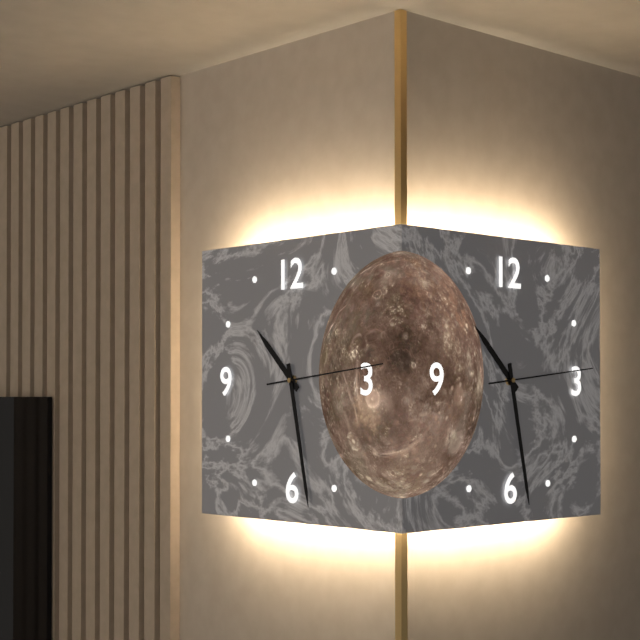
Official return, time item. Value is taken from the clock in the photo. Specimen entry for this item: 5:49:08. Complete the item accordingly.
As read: 10:28:14
